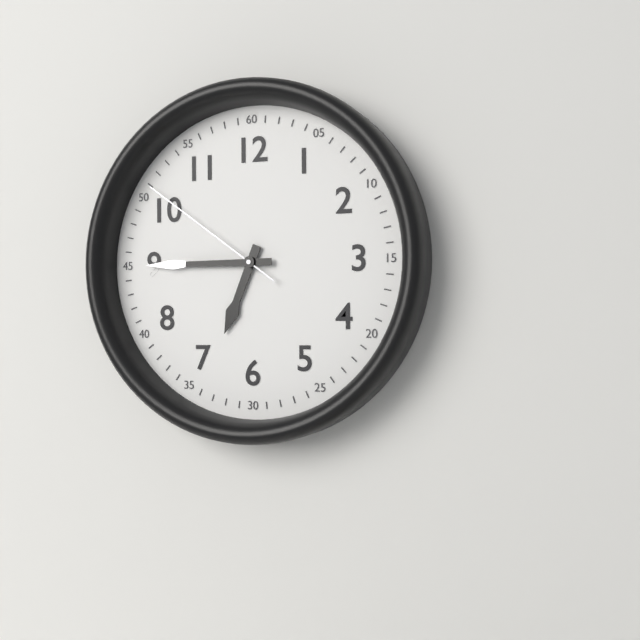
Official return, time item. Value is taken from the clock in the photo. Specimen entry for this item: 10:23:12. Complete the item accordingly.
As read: 6:45:51
